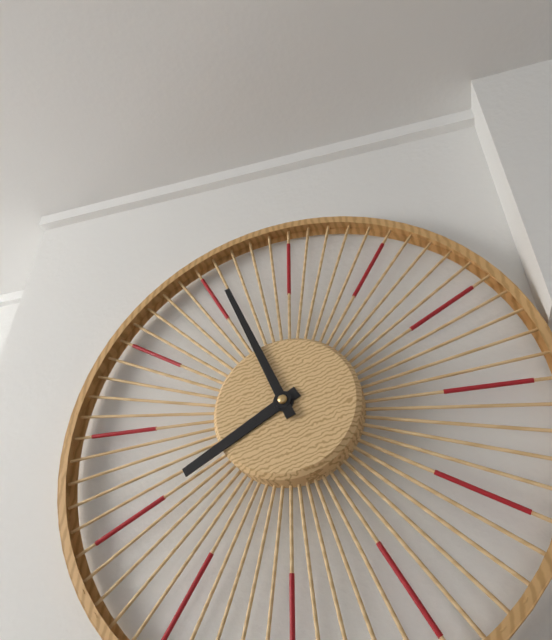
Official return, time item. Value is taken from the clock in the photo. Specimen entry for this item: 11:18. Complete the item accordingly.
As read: 7:56
